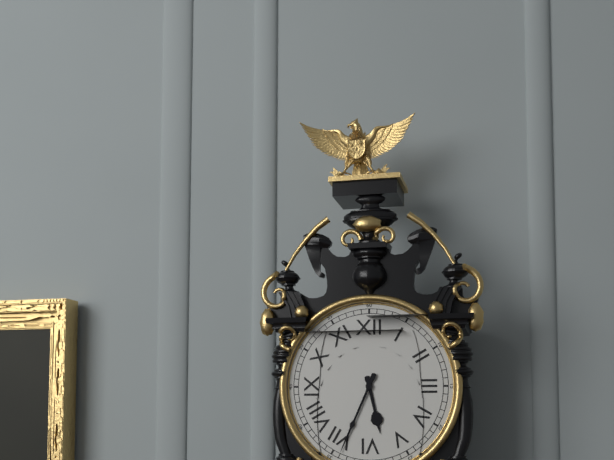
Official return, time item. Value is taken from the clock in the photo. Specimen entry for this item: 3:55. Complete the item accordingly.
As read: 5:34
